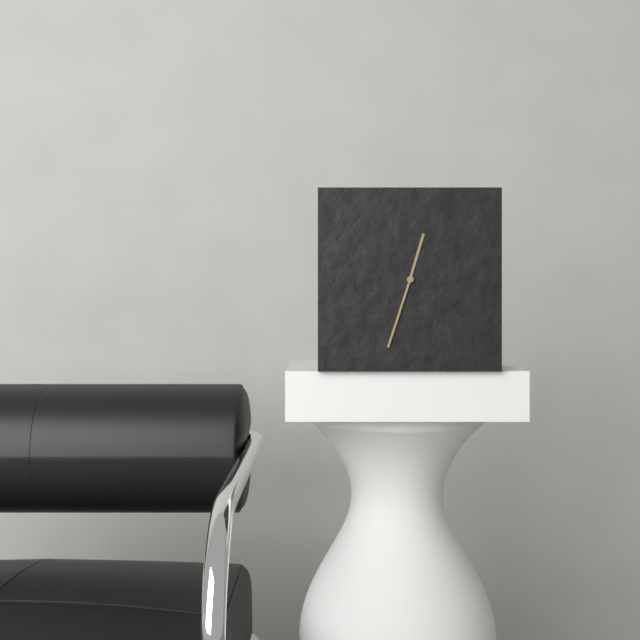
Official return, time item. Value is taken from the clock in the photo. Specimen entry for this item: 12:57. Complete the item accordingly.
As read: 12:33
